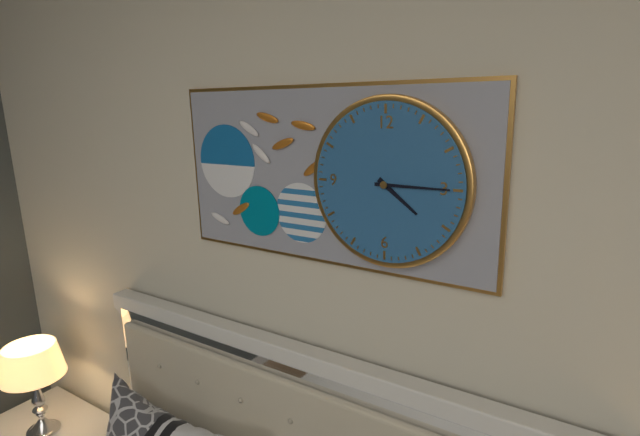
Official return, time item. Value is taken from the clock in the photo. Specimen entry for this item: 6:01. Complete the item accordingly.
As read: 4:15
